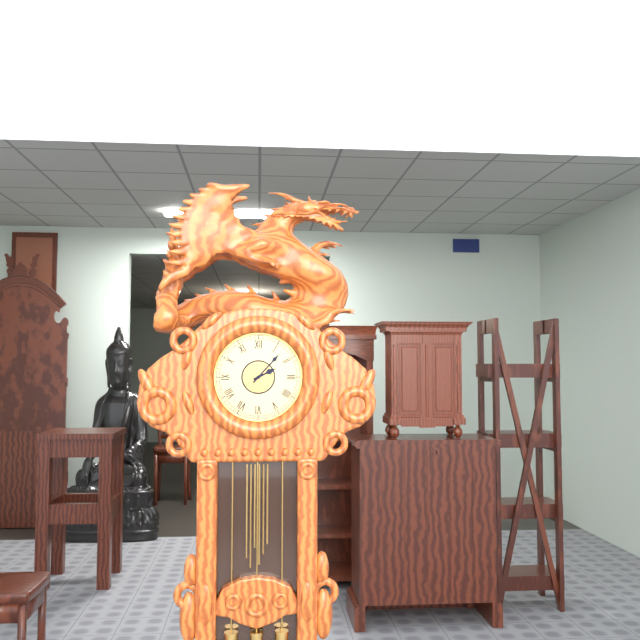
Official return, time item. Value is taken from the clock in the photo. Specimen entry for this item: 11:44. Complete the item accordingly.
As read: 2:07
